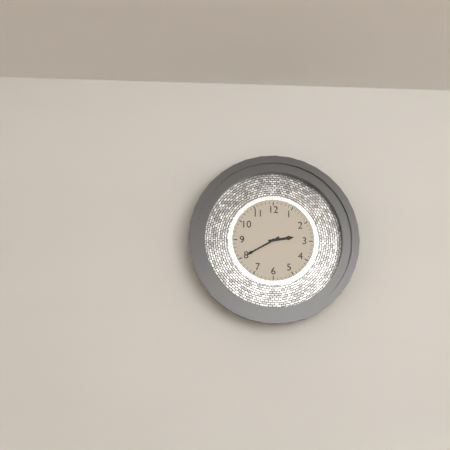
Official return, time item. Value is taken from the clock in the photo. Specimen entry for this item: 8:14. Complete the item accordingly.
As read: 2:40
